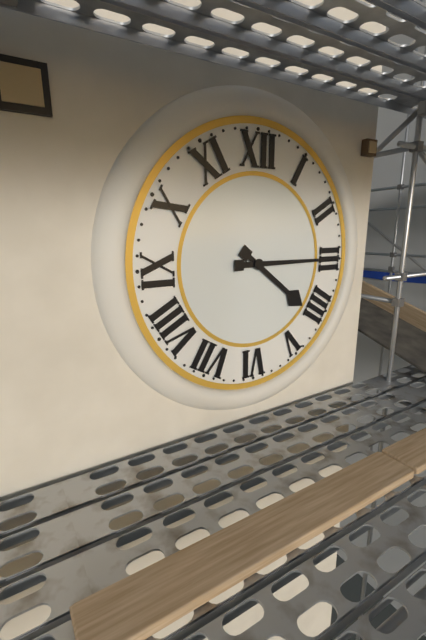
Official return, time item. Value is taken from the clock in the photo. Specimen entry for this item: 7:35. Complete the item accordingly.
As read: 4:15
